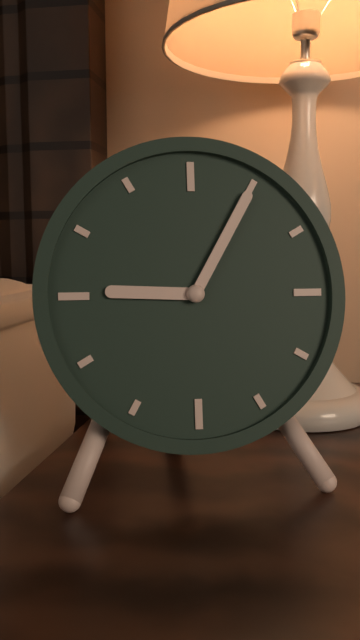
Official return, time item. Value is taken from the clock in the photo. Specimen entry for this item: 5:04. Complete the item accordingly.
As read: 9:05
